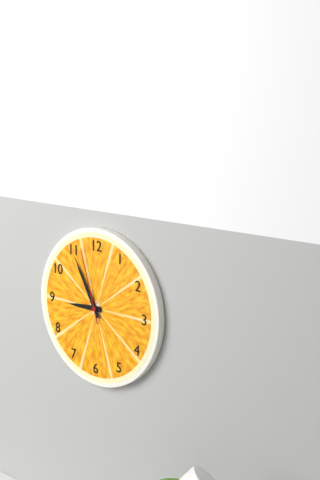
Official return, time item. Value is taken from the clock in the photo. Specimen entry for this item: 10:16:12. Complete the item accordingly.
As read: 8:55:57
